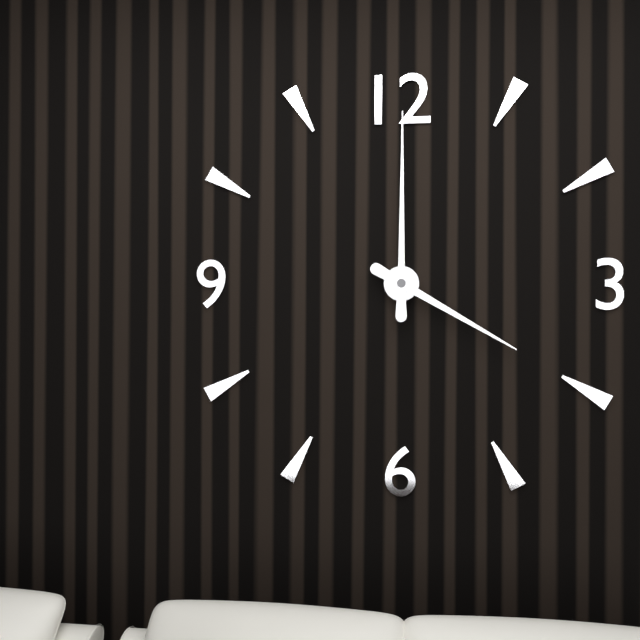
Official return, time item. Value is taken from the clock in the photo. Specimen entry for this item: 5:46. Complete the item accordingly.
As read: 4:00
